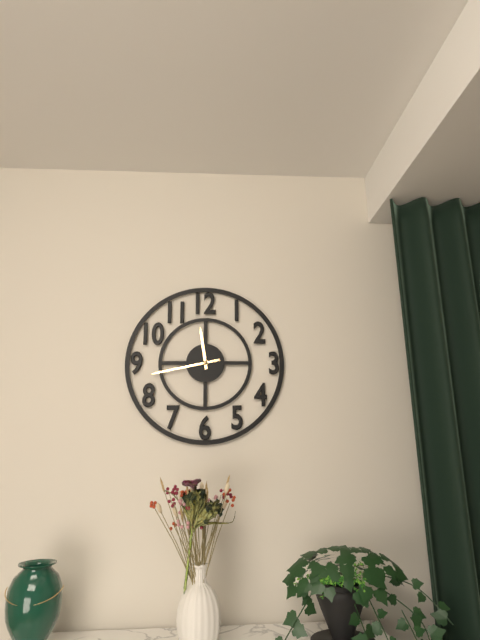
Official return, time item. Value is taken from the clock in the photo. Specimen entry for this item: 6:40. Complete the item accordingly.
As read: 11:43
